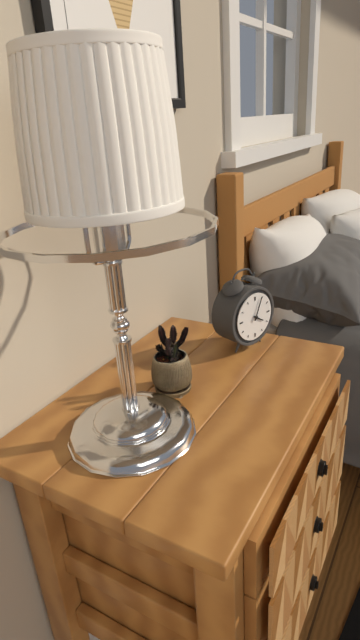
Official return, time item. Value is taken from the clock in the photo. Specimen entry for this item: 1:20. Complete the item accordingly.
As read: 4:04
